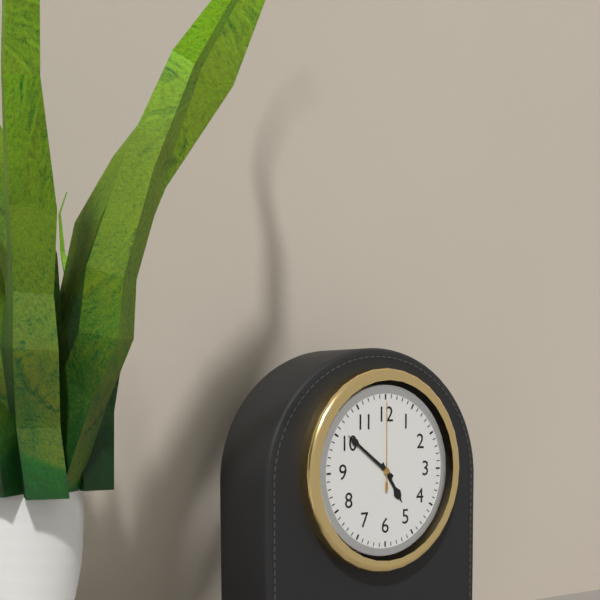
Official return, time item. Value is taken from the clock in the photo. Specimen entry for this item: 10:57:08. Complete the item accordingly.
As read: 4:51:00
